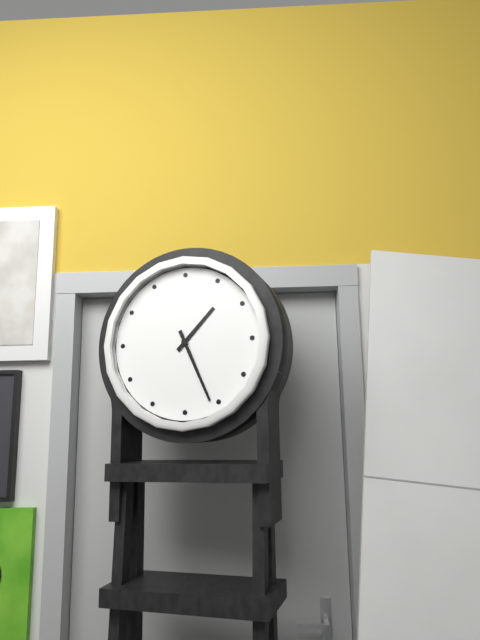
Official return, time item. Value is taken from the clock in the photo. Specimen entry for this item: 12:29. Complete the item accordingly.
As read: 1:26
